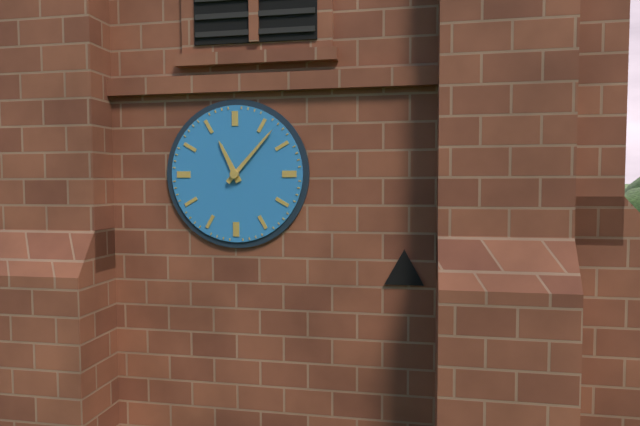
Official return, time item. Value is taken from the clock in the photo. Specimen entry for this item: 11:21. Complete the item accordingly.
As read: 11:07
